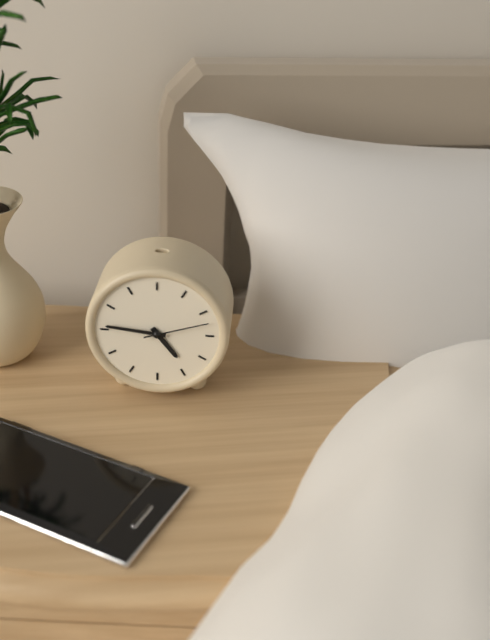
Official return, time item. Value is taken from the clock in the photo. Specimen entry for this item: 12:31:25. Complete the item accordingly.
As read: 4:46:12
